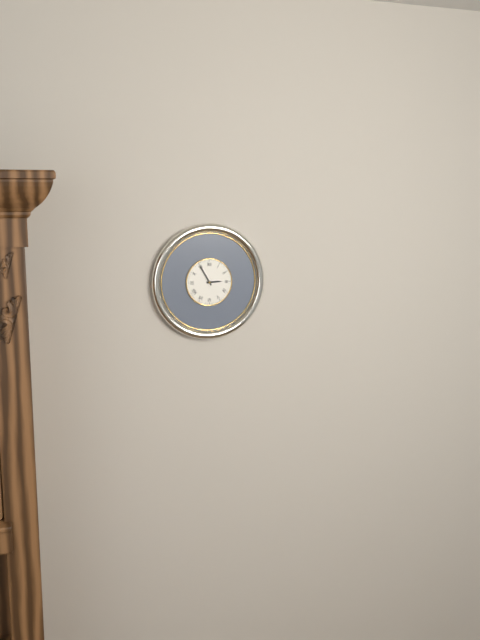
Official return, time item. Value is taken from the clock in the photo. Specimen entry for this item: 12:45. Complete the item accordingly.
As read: 2:55
